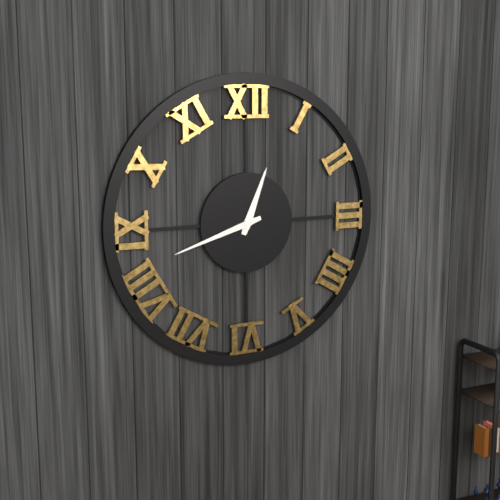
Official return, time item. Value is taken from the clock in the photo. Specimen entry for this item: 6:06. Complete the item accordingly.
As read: 12:42
